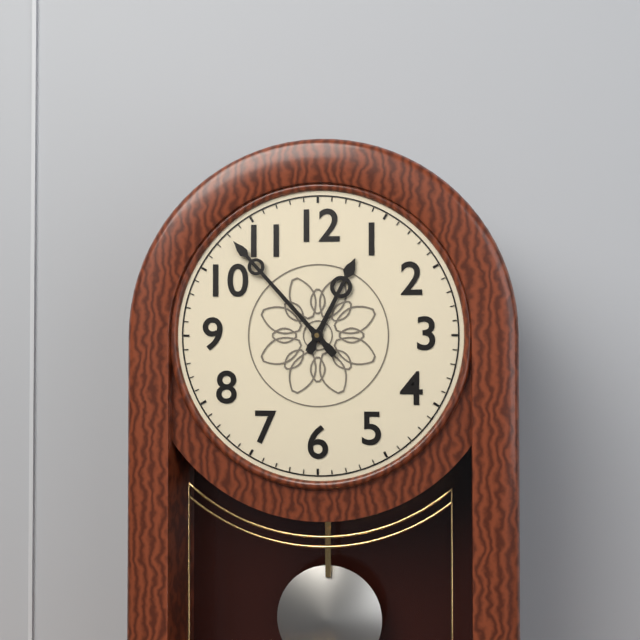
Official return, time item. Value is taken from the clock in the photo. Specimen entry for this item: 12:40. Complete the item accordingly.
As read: 12:53
